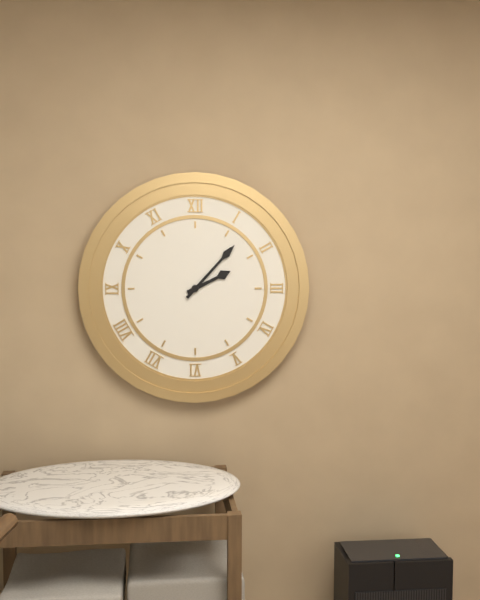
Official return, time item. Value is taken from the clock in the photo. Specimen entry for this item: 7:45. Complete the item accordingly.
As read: 2:07
